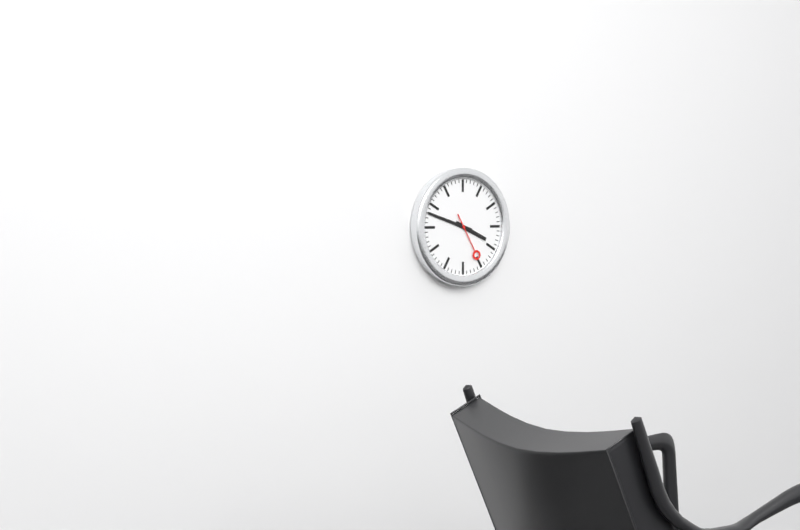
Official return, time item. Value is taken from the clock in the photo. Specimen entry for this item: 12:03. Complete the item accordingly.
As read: 3:48
